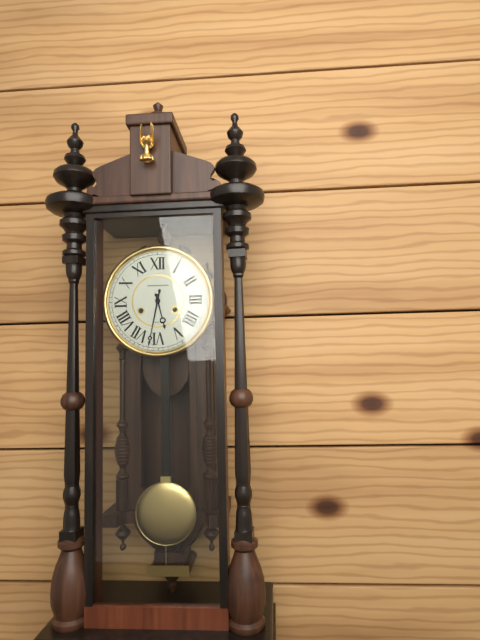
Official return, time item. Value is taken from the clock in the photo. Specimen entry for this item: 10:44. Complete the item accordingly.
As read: 5:32
